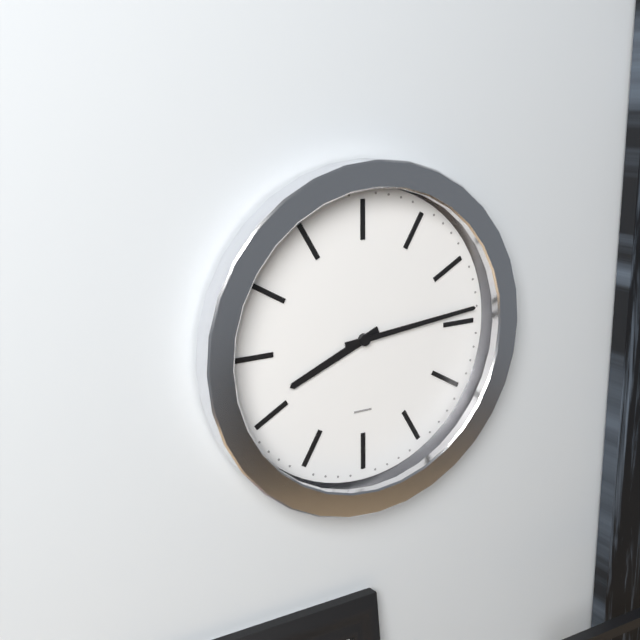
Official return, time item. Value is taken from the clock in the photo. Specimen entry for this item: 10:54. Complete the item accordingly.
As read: 8:14
